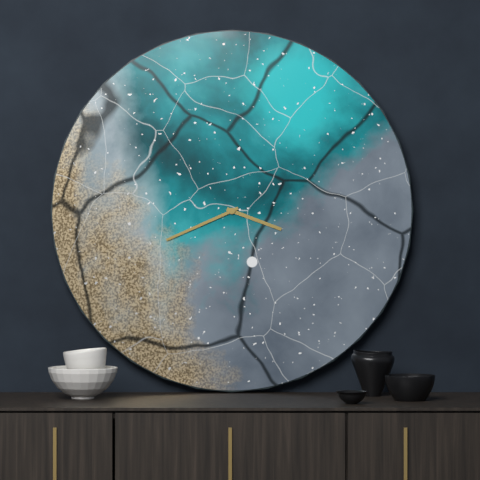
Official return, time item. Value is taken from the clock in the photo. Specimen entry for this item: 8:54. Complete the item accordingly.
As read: 3:41
